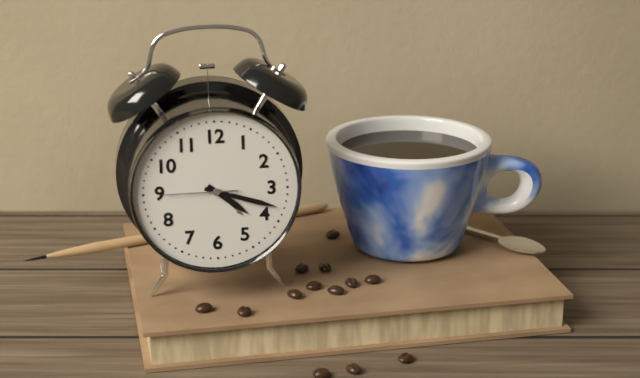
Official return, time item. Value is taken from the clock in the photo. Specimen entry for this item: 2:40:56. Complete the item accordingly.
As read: 4:18:45
